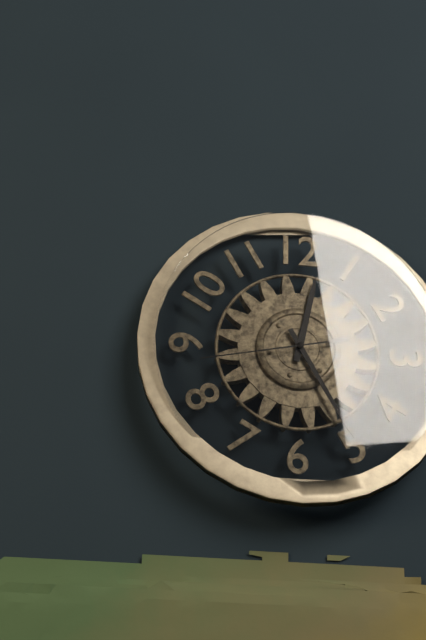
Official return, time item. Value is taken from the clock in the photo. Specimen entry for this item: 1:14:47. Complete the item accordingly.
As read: 12:25:43
